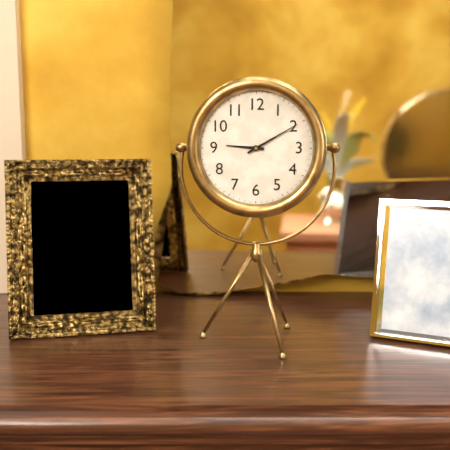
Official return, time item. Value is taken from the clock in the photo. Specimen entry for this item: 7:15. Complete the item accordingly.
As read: 9:10
